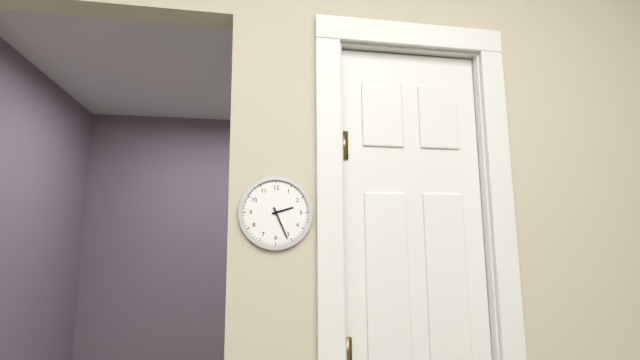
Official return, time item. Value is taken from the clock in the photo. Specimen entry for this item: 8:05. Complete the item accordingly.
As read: 2:26
